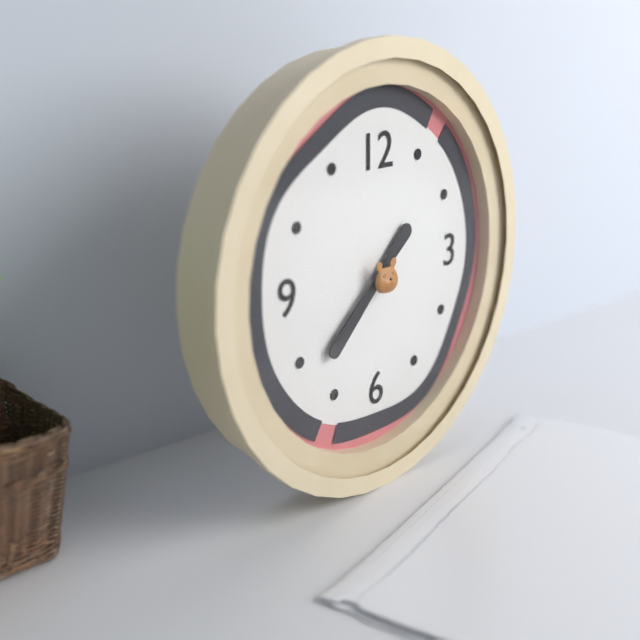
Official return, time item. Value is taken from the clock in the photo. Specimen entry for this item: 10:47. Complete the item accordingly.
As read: 1:38
